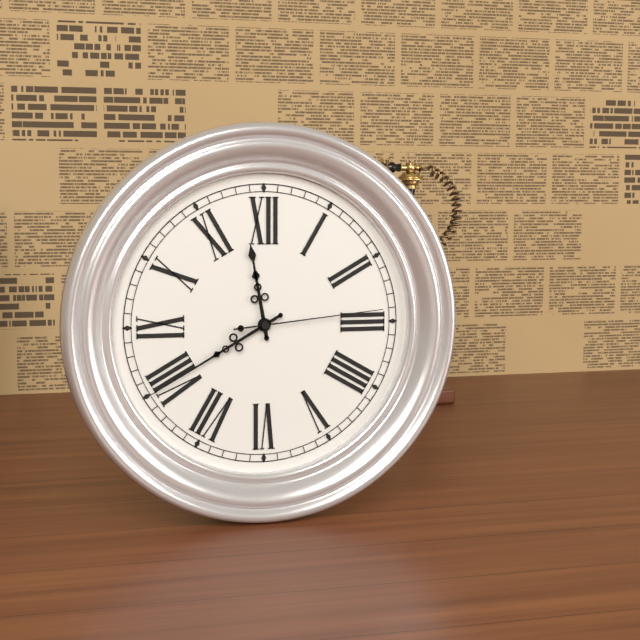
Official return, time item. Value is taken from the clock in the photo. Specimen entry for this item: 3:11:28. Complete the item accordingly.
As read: 11:40:14
